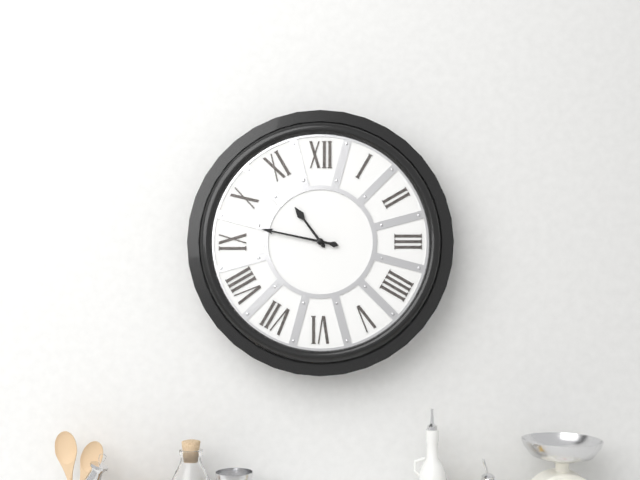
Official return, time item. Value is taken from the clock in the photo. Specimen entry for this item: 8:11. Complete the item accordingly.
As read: 10:47
